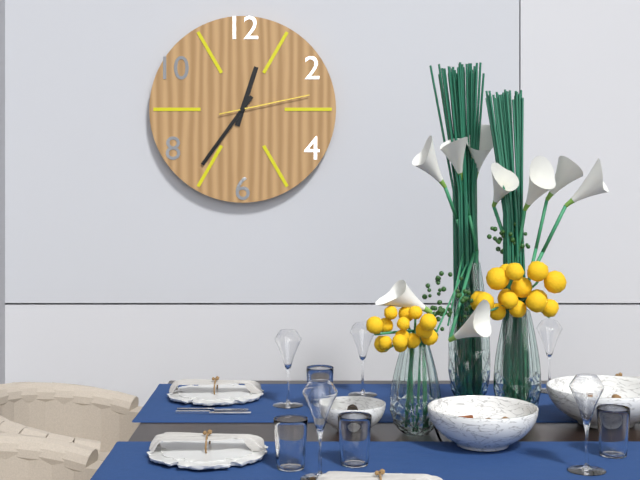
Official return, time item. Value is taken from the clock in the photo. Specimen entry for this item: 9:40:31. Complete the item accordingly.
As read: 12:36:13
